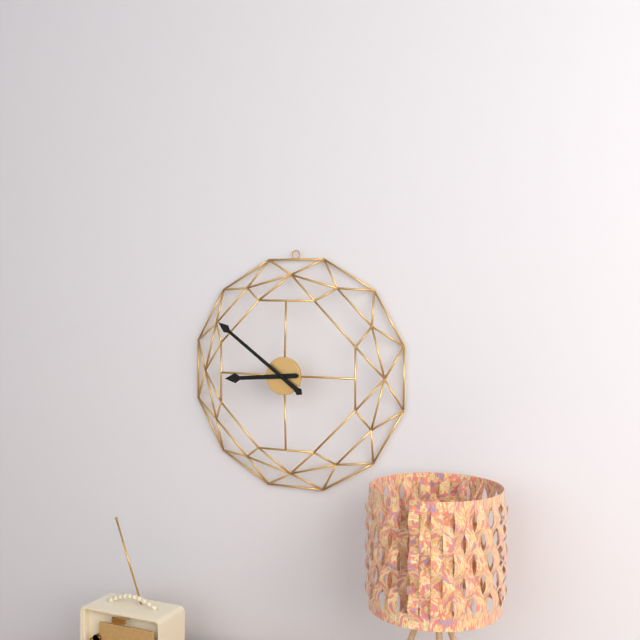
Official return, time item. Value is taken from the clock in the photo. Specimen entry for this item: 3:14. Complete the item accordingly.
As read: 8:51
